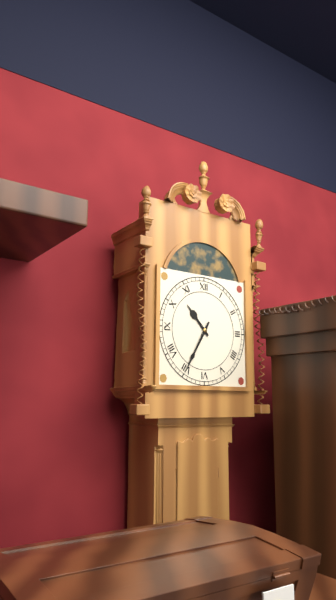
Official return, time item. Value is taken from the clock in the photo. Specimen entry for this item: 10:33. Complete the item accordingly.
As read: 10:35
